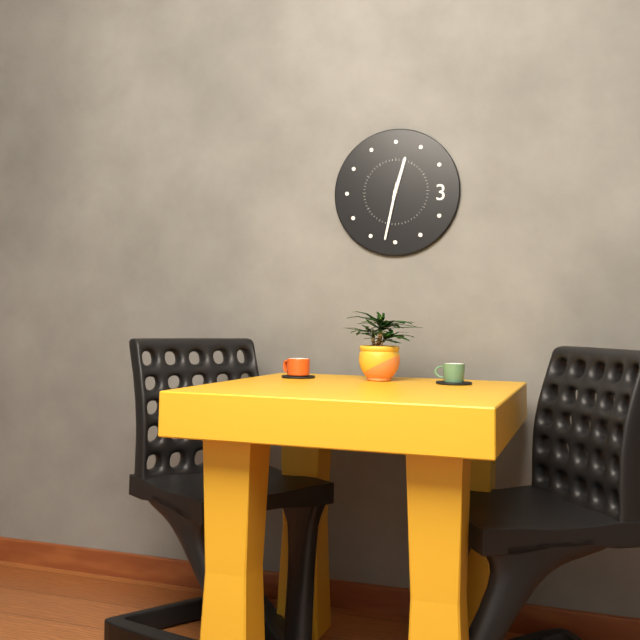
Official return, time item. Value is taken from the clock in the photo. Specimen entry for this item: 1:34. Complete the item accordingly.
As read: 12:32
